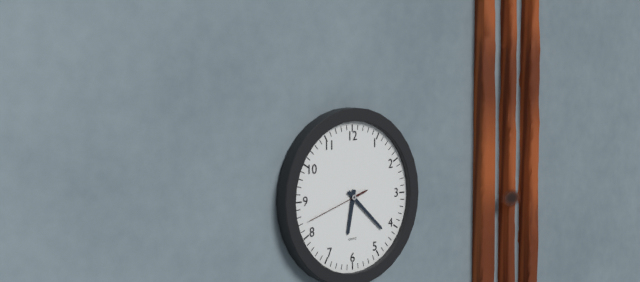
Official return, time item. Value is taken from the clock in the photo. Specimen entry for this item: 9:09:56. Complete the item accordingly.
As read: 6:22:42
